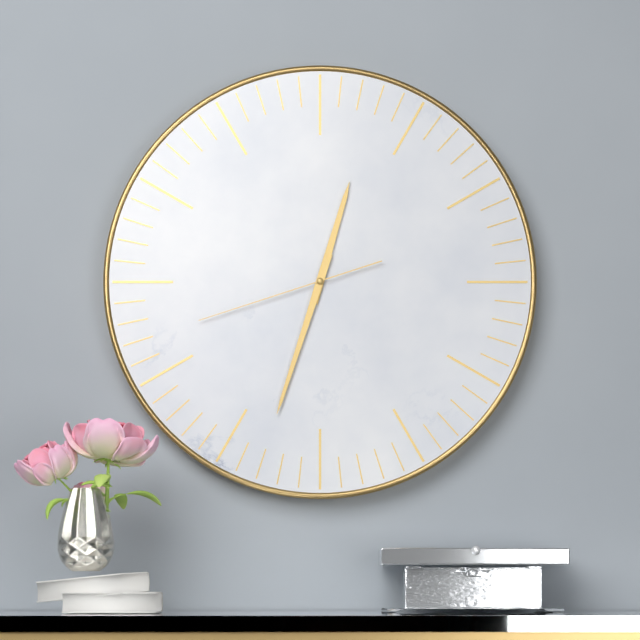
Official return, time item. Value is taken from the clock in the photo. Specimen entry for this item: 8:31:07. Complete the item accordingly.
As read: 12:33:42
